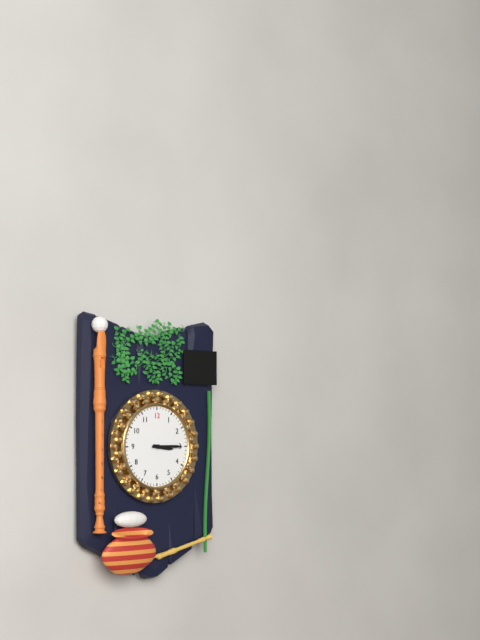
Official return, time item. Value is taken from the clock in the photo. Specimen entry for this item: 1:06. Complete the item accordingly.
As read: 3:15
